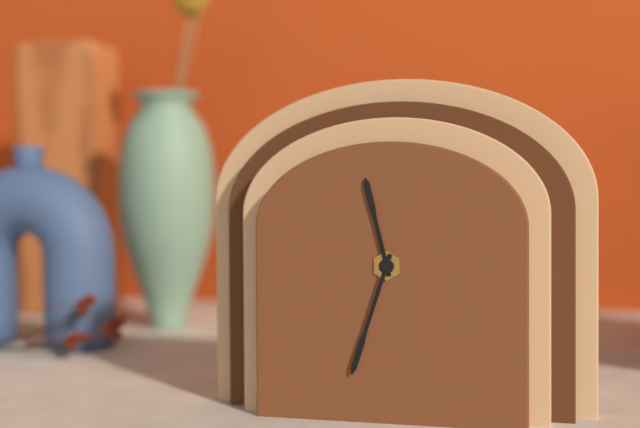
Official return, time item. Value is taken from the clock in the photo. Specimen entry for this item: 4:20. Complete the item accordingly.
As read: 11:33
